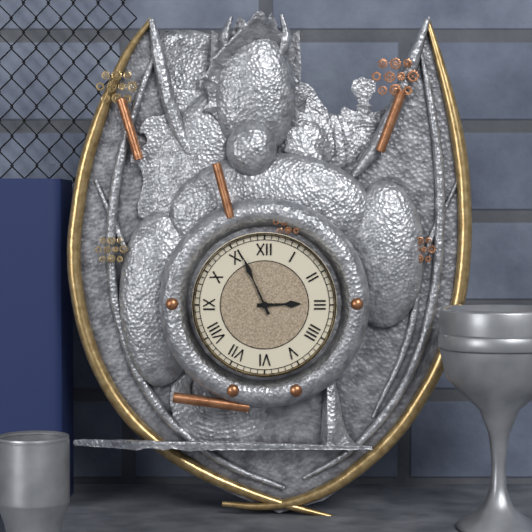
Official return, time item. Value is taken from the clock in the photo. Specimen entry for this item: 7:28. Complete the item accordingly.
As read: 2:56
